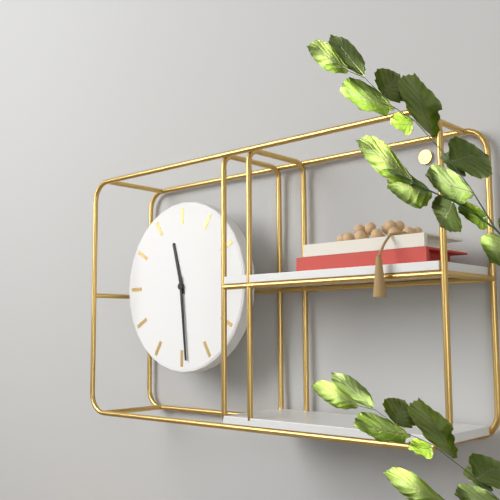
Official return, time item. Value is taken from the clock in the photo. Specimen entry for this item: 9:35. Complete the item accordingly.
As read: 11:29
